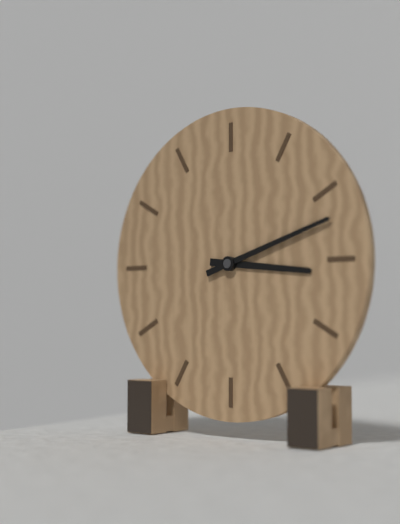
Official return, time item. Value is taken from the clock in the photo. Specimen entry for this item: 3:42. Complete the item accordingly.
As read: 3:12
